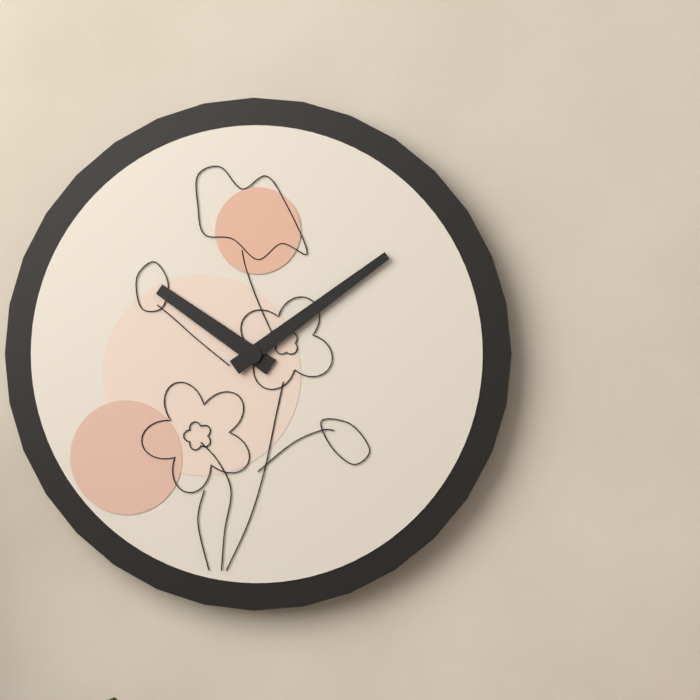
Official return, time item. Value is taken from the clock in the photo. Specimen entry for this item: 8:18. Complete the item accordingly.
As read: 10:09
